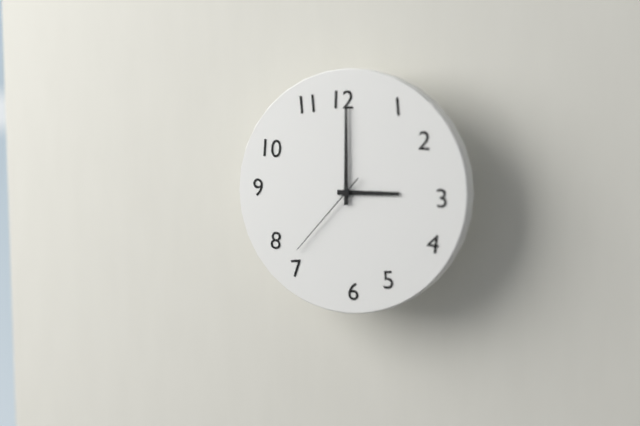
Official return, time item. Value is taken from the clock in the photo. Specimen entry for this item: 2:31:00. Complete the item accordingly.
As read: 3:00:37
